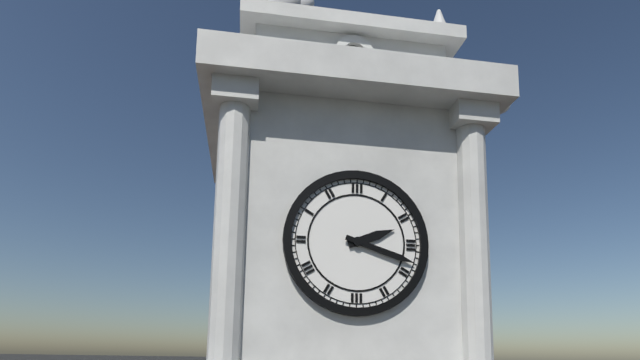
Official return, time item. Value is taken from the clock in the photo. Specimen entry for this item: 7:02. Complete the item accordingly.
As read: 2:18
